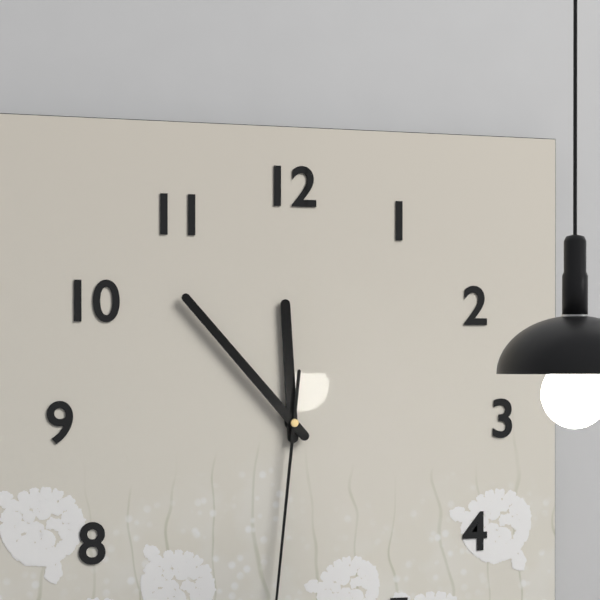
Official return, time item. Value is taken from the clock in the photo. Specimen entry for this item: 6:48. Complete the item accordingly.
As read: 11:53
